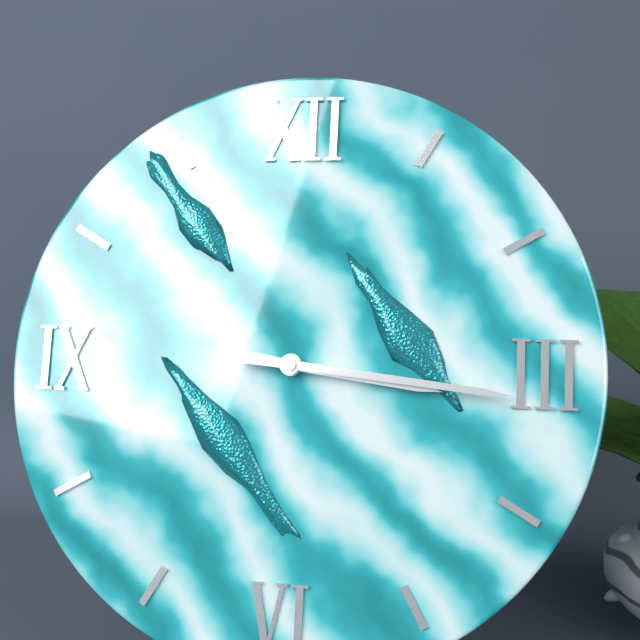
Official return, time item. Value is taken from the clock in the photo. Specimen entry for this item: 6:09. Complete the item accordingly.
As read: 3:16
